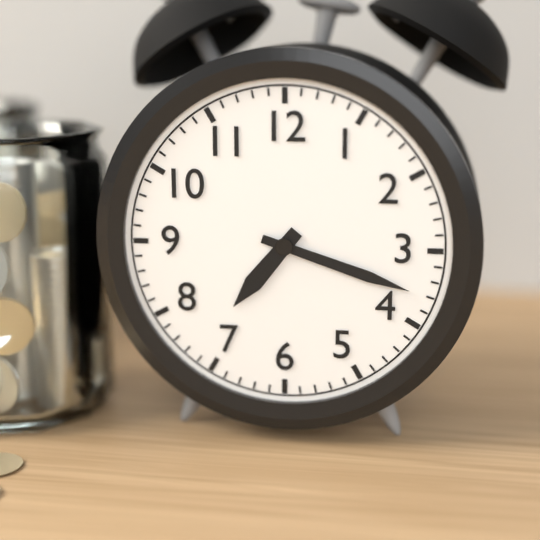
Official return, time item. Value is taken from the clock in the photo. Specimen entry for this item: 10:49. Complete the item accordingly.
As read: 7:18
